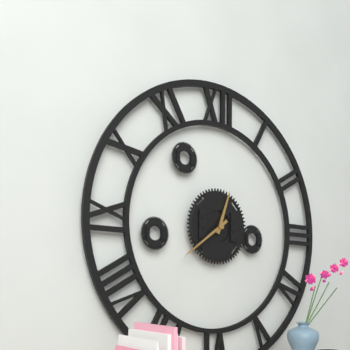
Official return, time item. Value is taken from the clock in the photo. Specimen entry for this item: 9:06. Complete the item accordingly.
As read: 12:39
